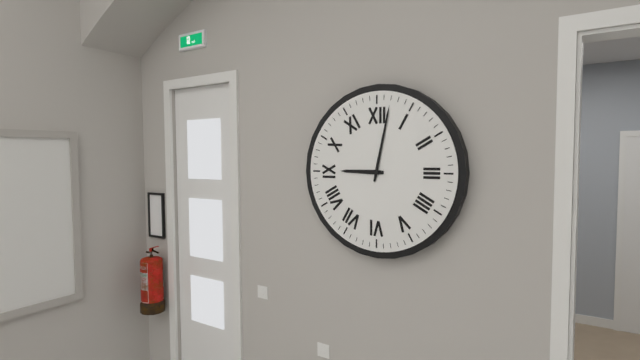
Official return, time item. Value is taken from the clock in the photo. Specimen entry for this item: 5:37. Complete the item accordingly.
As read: 9:02
